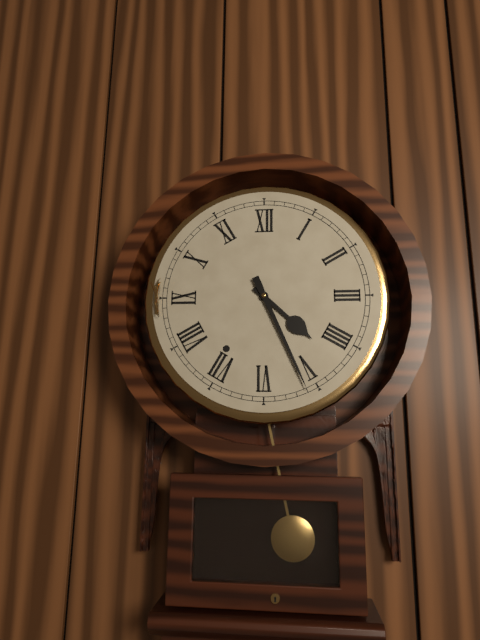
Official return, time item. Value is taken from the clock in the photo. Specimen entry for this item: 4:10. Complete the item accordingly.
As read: 4:26
